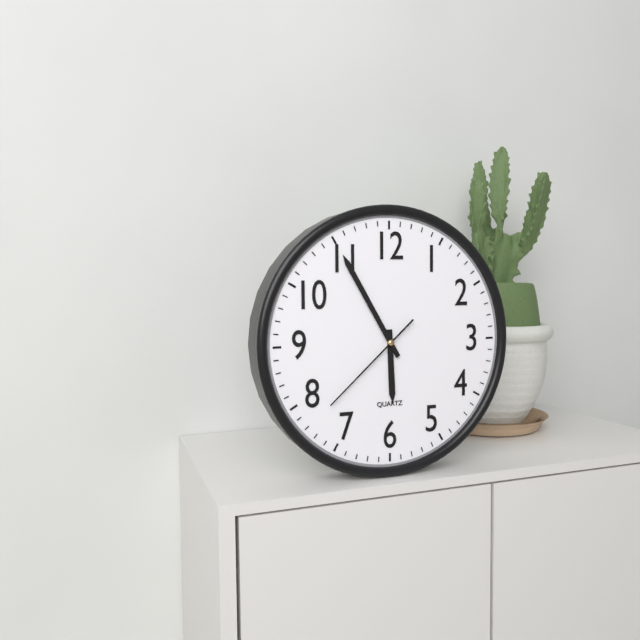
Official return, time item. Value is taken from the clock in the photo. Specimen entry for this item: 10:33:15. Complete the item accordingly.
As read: 5:55:38
